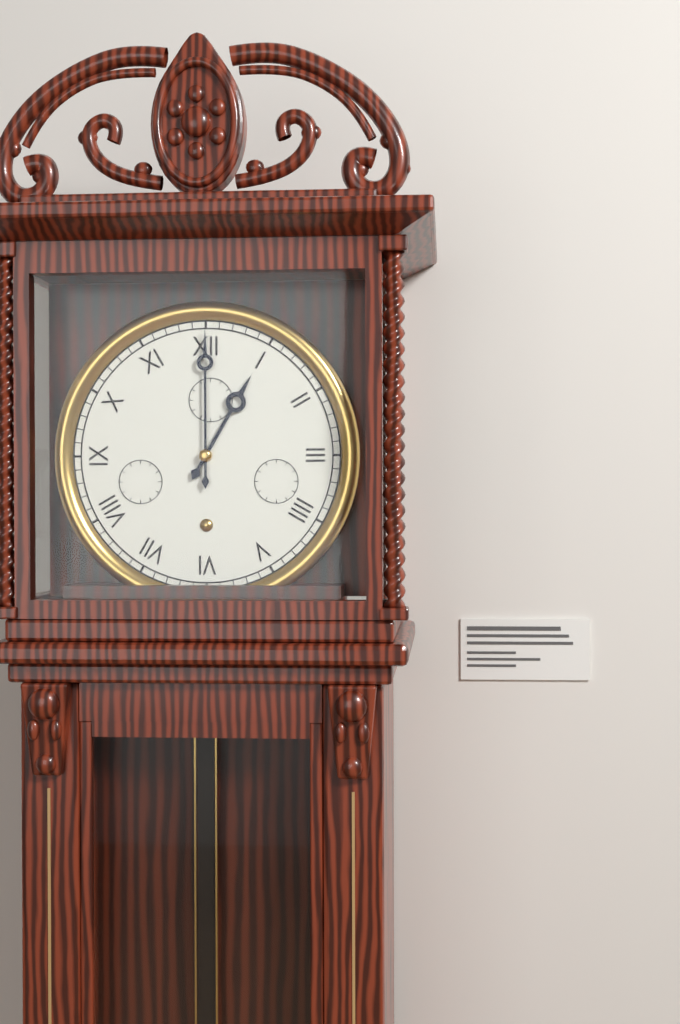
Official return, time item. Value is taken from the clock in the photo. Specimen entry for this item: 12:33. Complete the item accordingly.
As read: 1:00
